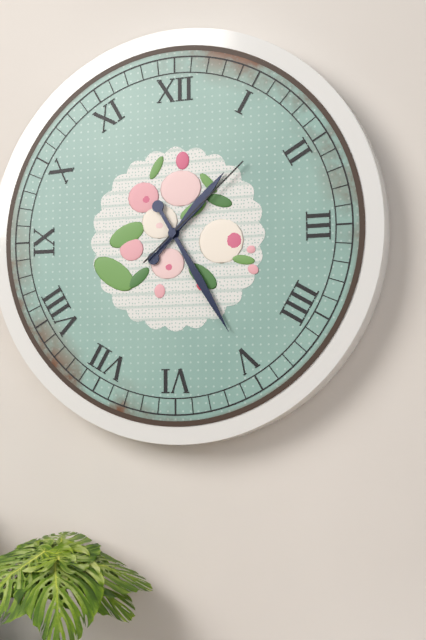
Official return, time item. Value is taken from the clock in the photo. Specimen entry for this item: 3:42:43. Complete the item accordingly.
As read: 1:25:08
